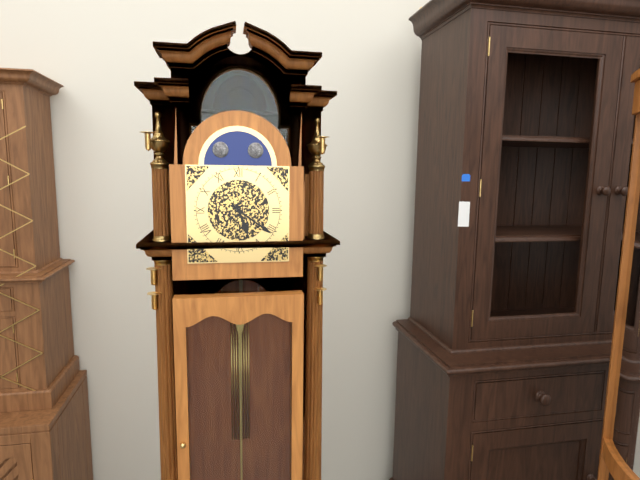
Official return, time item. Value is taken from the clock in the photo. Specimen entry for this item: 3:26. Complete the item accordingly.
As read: 5:21
